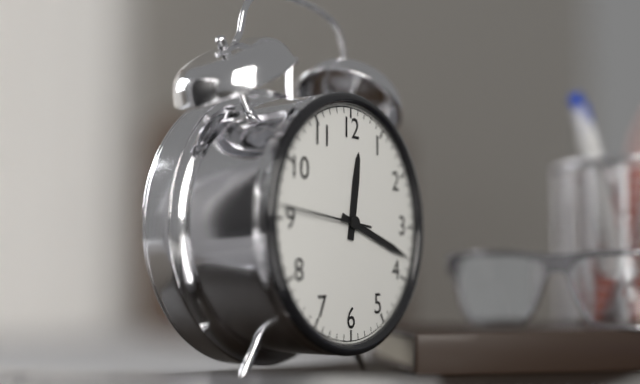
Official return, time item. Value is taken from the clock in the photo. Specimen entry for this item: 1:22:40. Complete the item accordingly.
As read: 12:18:46
